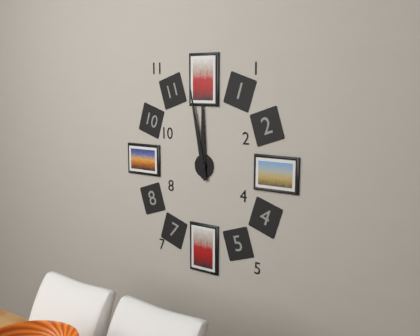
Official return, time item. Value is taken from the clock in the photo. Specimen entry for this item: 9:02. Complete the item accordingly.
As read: 11:58
